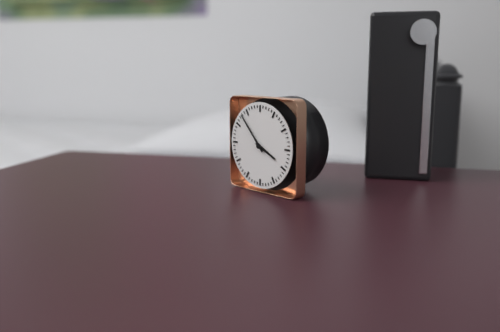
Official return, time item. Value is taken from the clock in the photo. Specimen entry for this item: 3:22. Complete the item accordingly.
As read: 3:53
